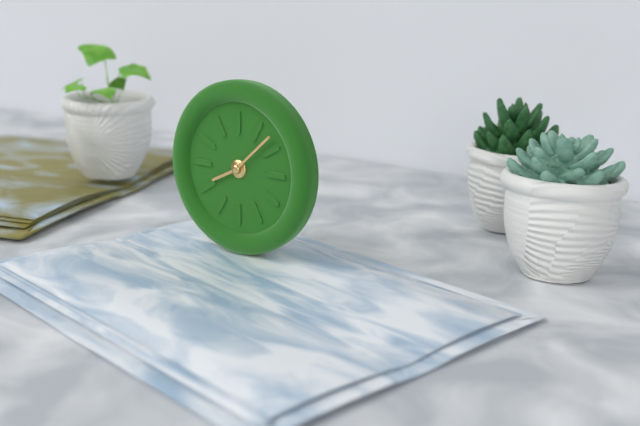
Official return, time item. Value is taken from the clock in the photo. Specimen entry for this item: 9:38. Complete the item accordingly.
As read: 8:08
